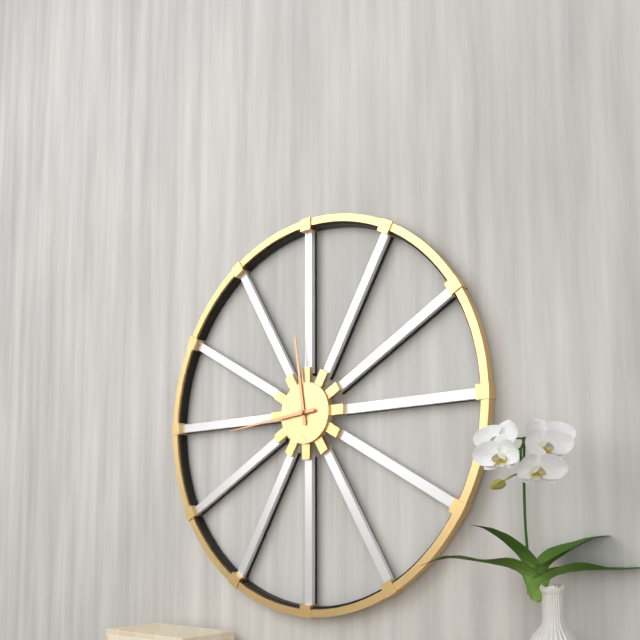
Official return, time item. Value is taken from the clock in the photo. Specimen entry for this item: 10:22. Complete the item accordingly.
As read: 11:44
